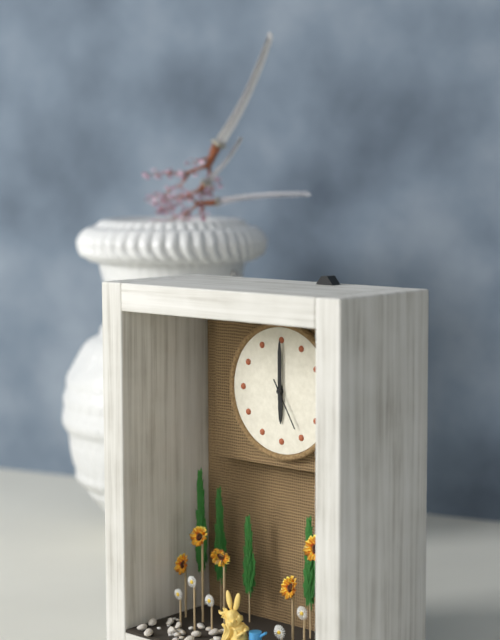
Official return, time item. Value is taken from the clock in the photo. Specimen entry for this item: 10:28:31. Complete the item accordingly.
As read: 6:00:25
